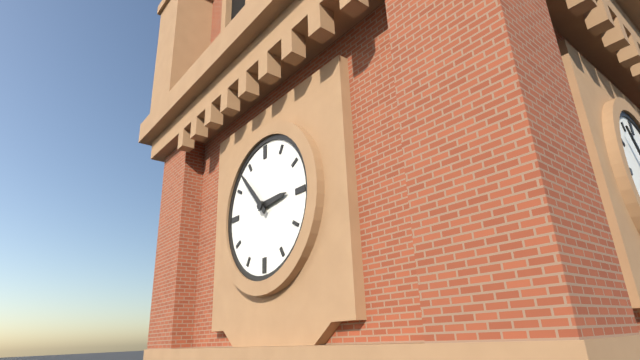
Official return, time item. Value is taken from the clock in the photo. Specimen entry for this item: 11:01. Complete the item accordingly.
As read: 2:53
